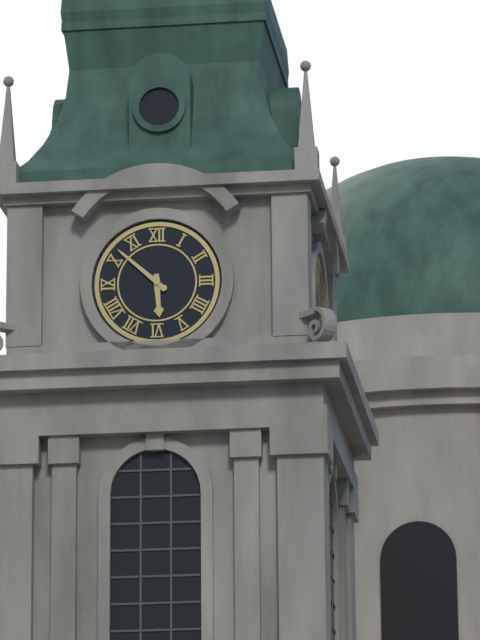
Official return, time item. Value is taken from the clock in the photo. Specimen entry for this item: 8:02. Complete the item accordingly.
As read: 5:52
